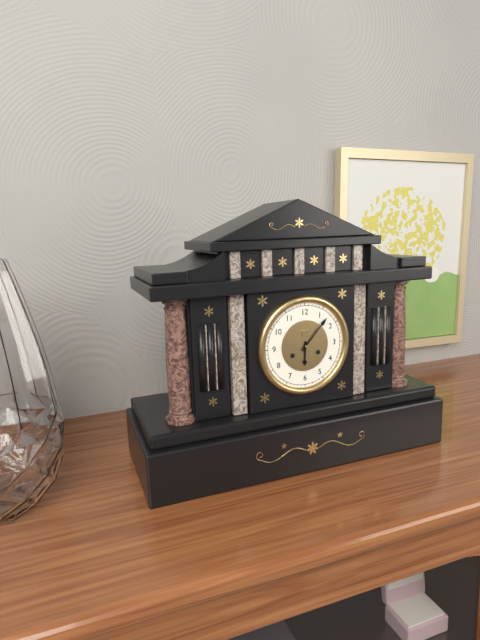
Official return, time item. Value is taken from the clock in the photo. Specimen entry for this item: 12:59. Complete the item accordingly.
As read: 6:07
